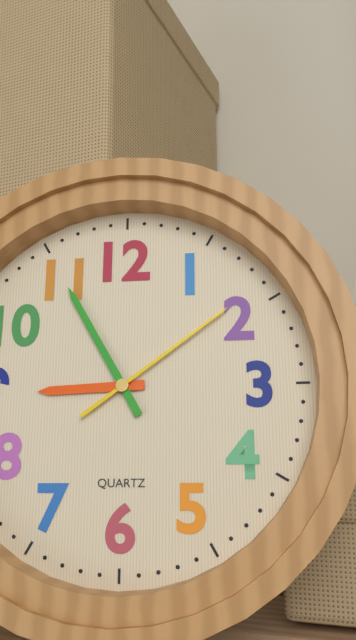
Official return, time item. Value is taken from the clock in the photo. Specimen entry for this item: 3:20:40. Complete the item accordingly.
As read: 8:55:09
